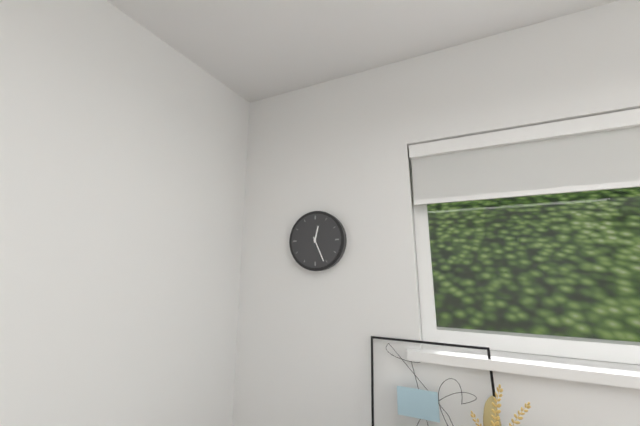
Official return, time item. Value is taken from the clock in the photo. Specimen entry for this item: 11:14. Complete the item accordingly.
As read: 12:26
